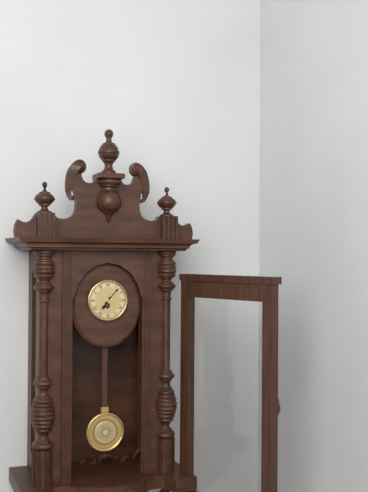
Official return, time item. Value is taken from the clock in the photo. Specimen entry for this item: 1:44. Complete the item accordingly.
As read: 7:07
